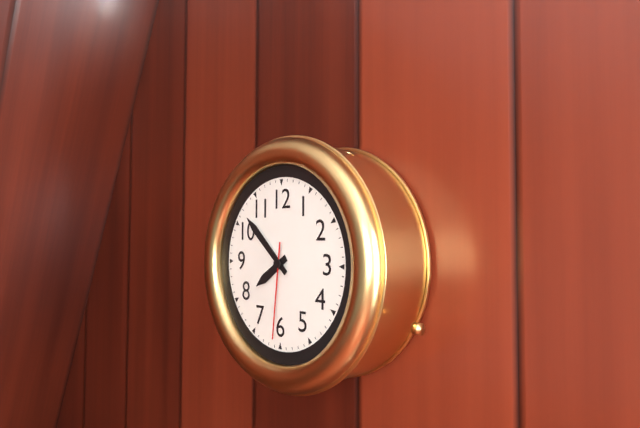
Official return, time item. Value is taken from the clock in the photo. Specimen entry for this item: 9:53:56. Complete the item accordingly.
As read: 7:52:31
